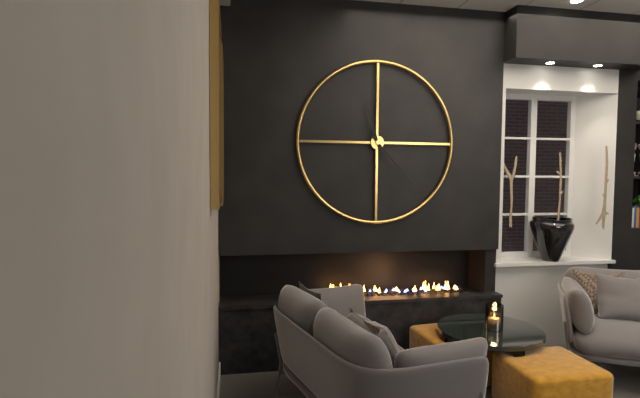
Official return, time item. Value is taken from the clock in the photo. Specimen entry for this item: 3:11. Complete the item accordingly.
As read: 11:23
